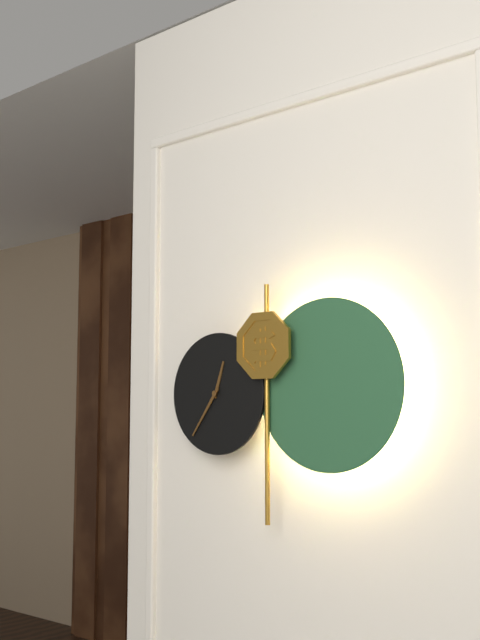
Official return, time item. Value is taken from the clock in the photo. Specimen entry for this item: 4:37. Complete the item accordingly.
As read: 12:36
